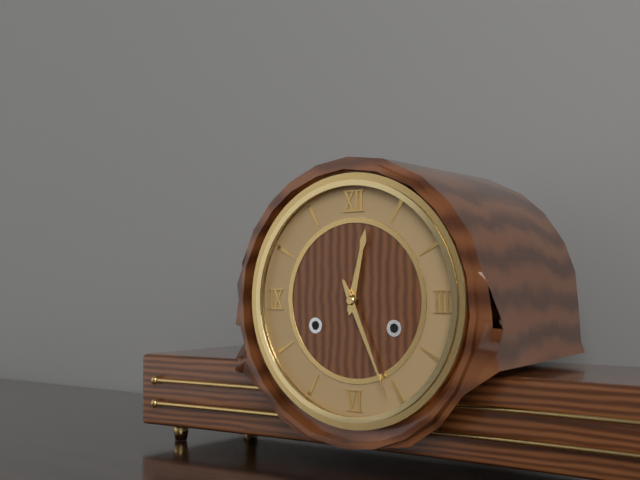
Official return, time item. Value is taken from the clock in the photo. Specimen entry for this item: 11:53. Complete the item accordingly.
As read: 12:26
